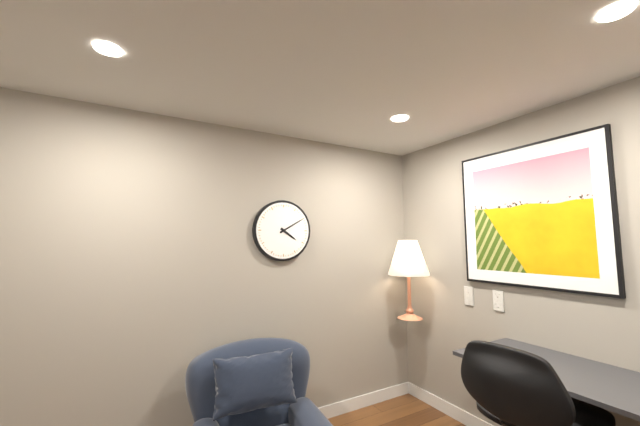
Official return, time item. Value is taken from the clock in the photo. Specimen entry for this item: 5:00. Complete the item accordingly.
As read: 4:10
